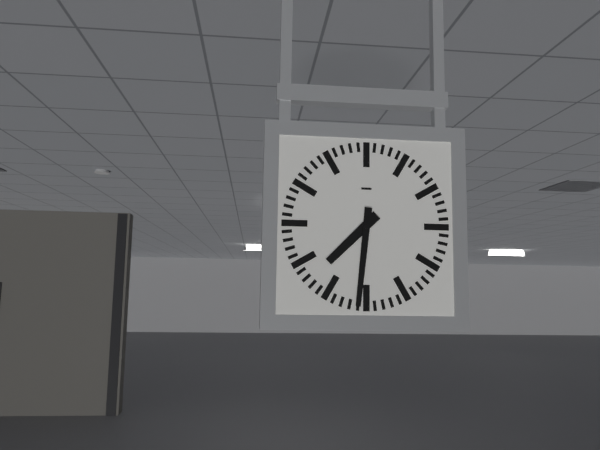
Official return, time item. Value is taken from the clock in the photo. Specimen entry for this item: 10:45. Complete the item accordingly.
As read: 7:31
